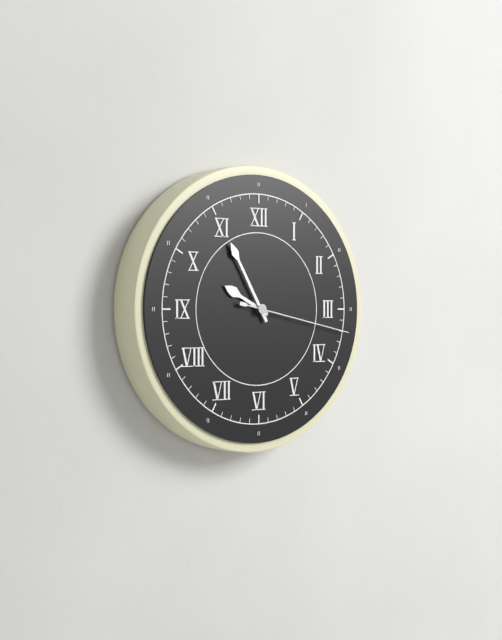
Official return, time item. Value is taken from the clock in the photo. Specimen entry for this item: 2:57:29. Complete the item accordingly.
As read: 9:55:17
